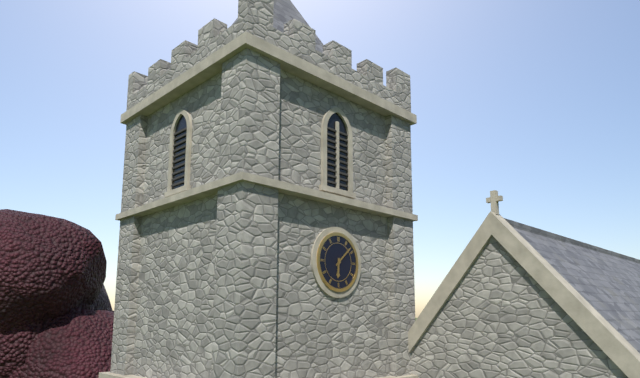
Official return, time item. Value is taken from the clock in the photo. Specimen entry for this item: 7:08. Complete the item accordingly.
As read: 6:08
